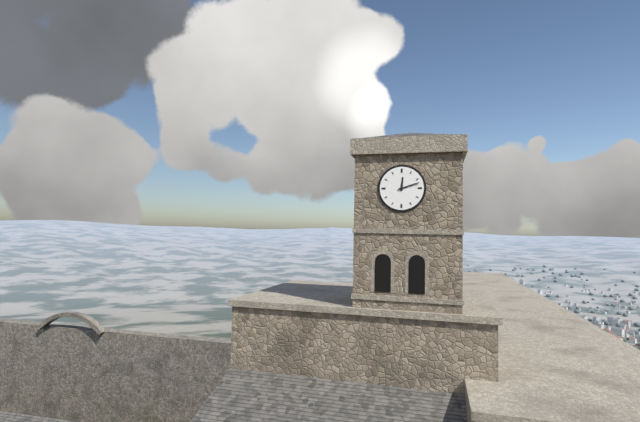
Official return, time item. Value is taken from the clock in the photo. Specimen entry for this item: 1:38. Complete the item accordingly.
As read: 12:12
